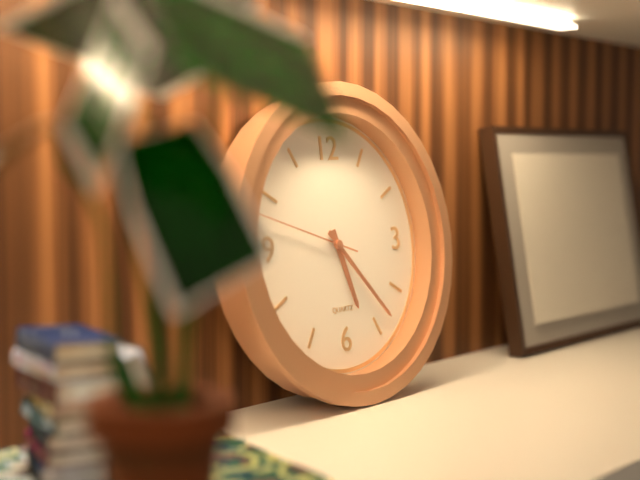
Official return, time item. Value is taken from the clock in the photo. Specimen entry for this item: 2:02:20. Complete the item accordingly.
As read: 5:23:48
